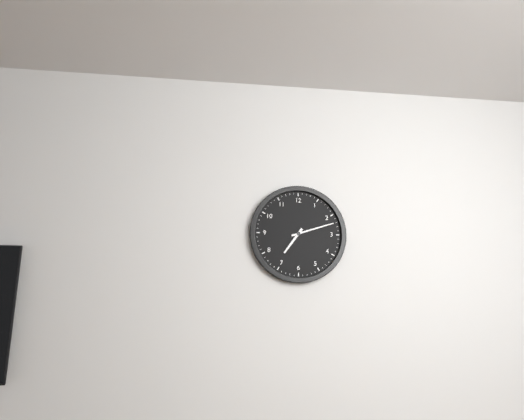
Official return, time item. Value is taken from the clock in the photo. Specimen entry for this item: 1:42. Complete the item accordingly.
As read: 7:12
